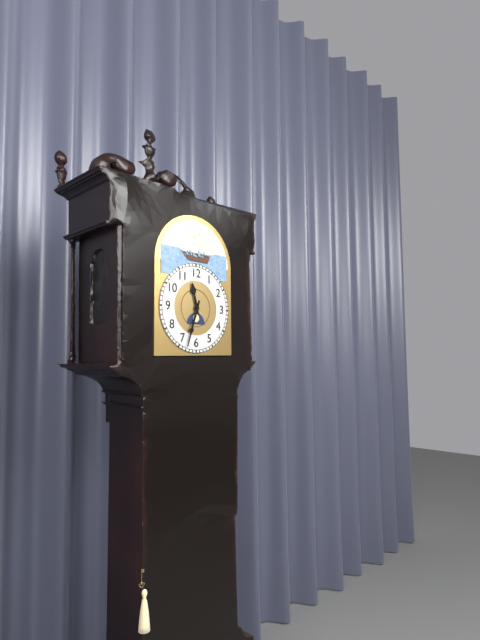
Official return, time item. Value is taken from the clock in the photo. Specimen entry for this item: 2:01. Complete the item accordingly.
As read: 11:33
